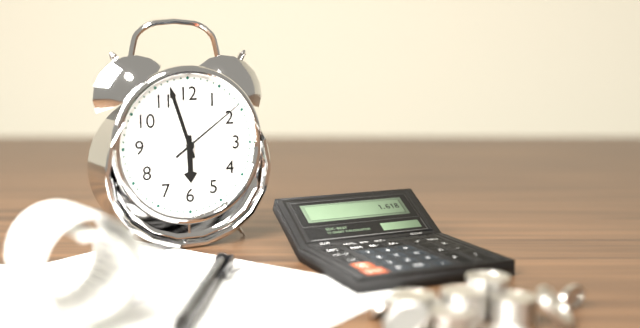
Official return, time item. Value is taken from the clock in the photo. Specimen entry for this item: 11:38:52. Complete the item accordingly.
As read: 5:57:09
